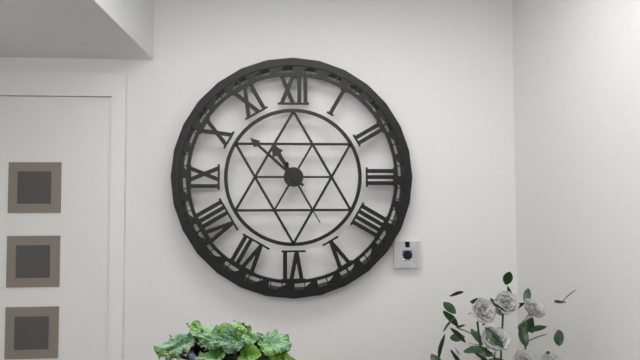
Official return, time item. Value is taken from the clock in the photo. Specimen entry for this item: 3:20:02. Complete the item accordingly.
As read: 10:52:25
